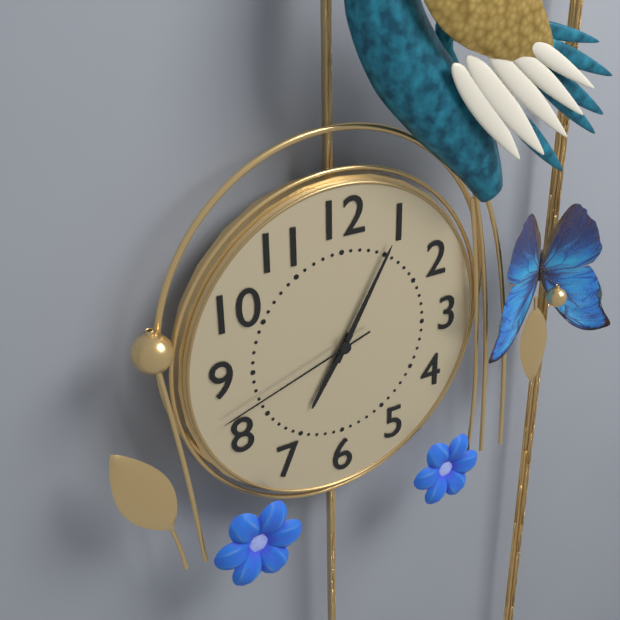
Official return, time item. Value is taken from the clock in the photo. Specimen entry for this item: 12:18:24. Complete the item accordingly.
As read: 7:05:42
